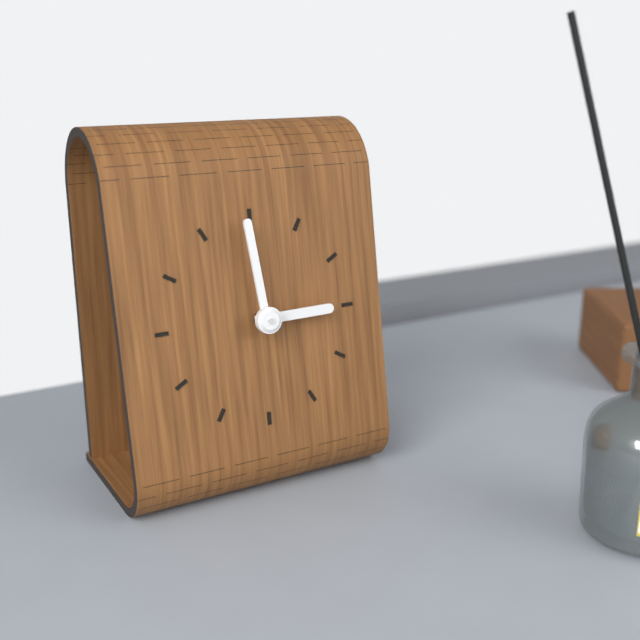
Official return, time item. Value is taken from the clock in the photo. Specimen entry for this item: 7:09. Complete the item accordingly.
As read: 2:59
